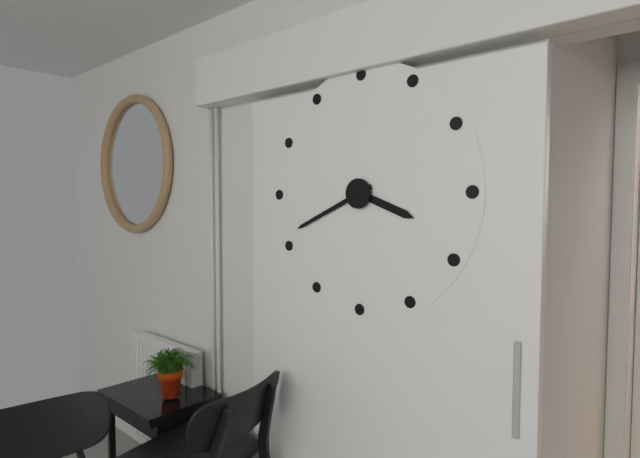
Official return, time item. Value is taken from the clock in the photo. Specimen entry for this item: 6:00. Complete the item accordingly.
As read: 3:41
